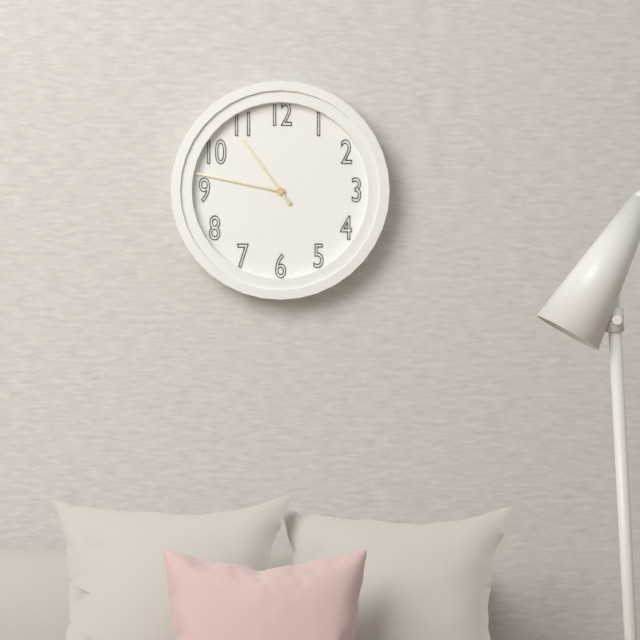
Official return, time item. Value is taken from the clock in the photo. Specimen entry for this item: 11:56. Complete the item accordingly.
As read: 10:47
